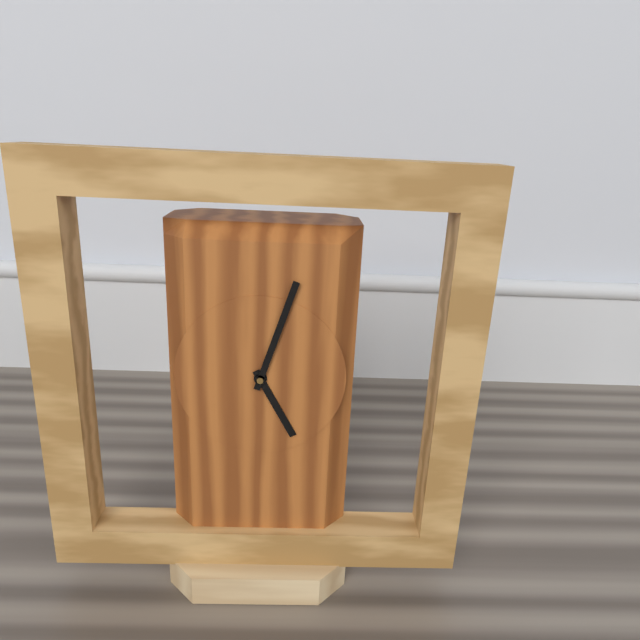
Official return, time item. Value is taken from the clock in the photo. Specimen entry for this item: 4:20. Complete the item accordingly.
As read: 5:03
